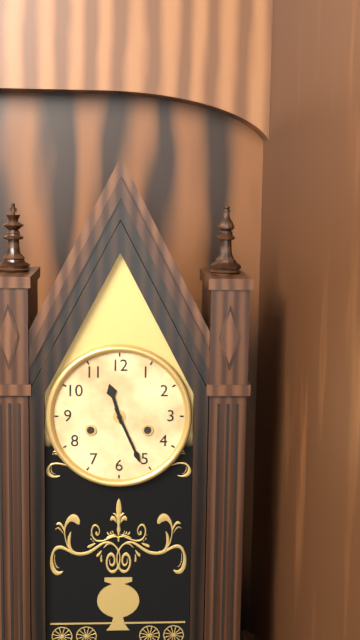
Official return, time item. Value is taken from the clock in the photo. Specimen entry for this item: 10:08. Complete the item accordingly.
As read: 11:26
